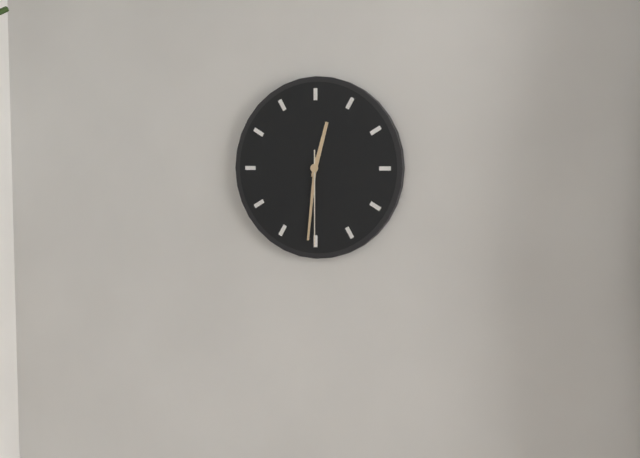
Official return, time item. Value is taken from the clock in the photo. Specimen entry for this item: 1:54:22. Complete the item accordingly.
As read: 12:31:30
